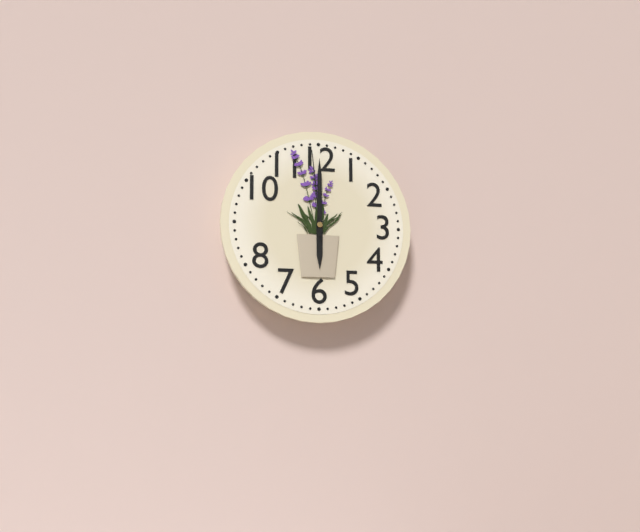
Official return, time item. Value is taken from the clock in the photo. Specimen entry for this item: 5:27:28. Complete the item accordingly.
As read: 6:00:59
